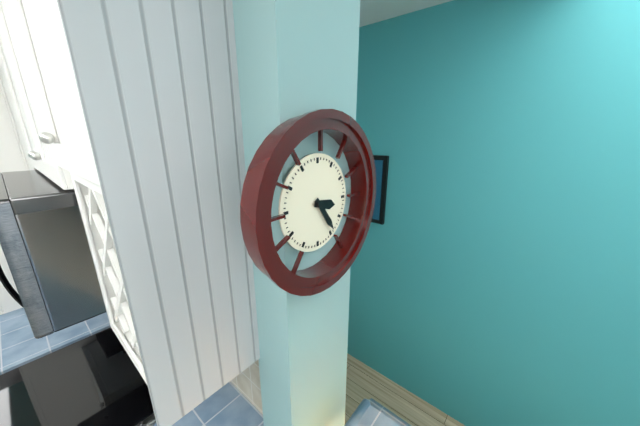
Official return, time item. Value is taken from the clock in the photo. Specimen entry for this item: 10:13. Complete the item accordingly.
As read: 3:24
